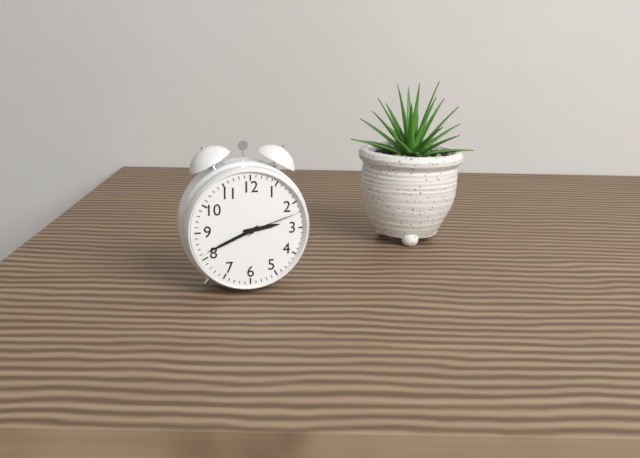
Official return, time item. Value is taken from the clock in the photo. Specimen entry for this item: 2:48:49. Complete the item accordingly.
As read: 2:41:12
